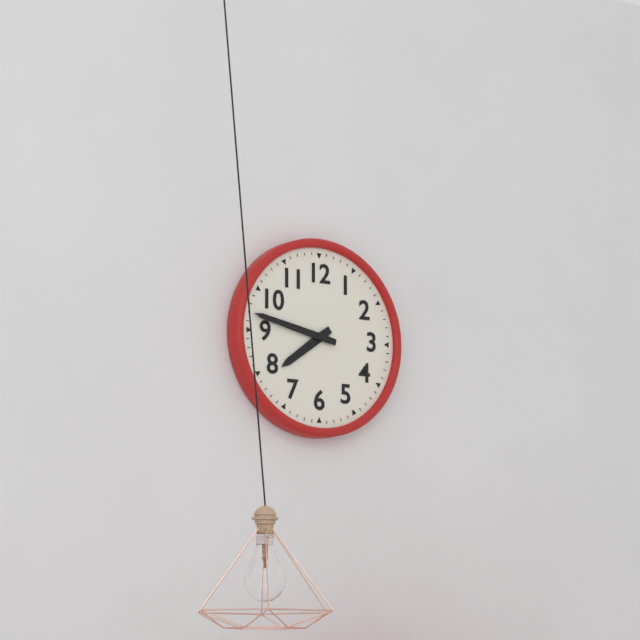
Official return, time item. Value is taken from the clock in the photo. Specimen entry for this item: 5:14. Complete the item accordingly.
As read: 7:47
